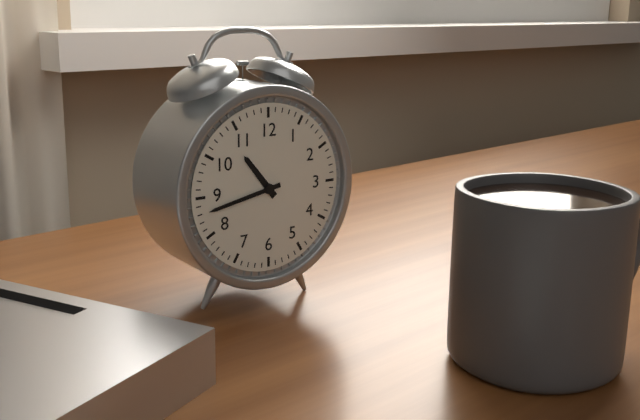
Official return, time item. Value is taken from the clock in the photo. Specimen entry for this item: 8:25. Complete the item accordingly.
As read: 10:43
